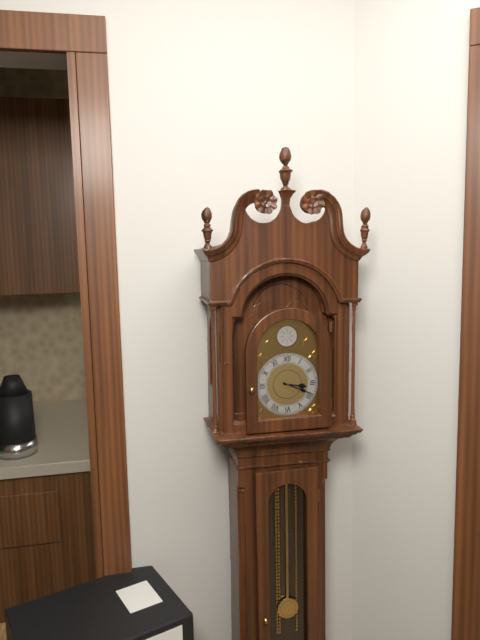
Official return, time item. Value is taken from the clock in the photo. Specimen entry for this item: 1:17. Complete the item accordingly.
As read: 3:19
